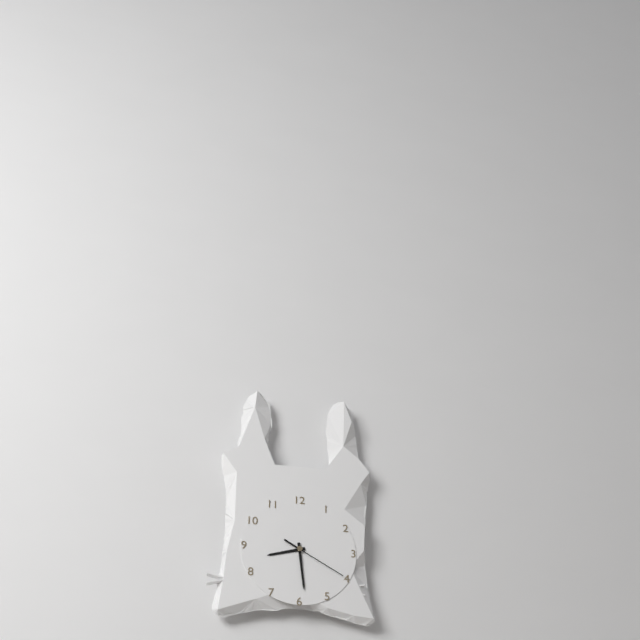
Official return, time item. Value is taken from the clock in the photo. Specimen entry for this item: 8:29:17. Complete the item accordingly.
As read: 8:29:20
